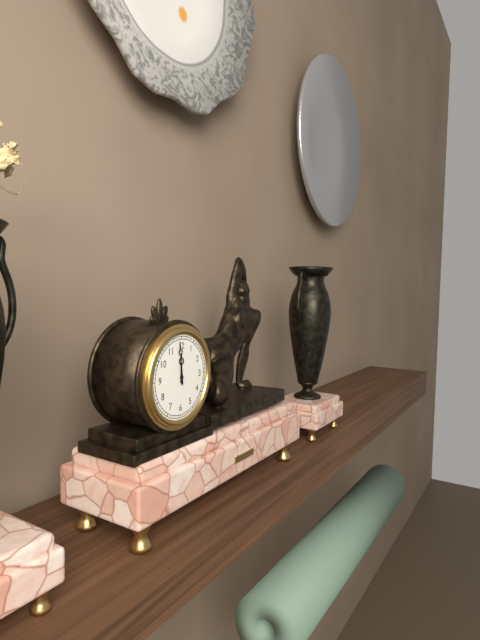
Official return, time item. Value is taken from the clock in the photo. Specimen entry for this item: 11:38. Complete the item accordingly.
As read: 11:59
